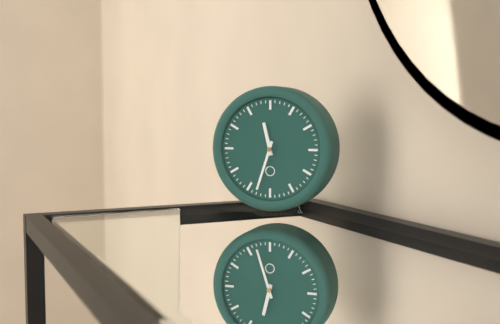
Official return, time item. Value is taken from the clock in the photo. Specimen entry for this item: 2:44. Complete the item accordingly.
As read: 11:33
